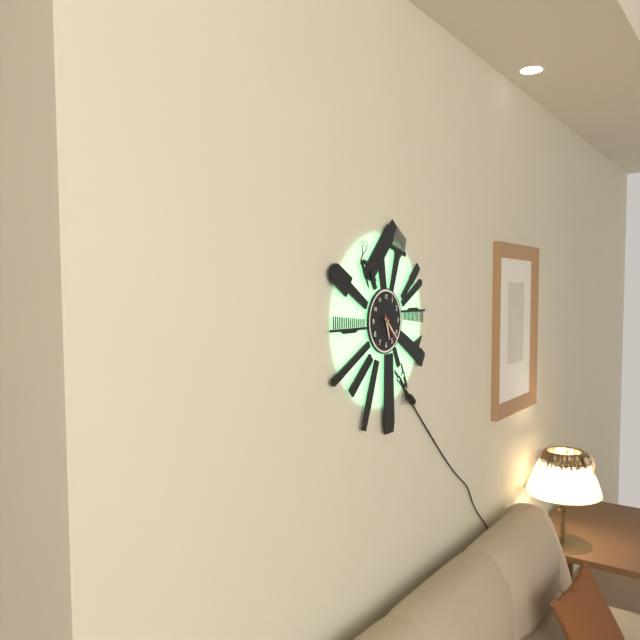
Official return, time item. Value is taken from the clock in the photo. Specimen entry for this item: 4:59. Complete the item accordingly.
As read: 5:22
